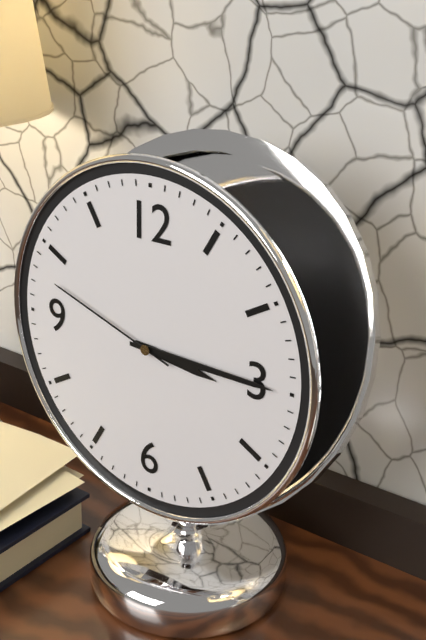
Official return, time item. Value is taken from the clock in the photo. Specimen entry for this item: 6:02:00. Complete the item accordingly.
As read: 3:15:48
